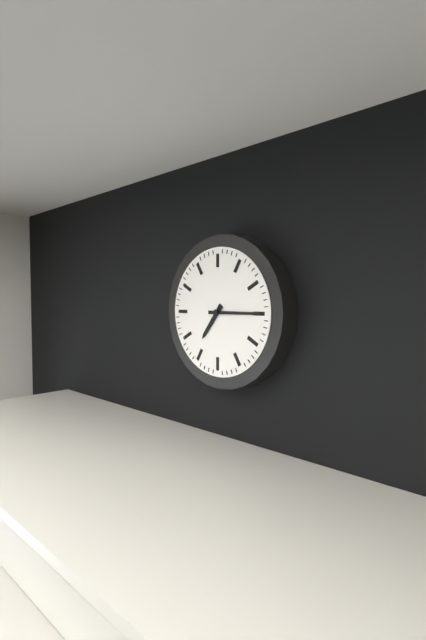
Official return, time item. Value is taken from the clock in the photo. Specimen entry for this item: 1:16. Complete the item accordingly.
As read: 7:15
